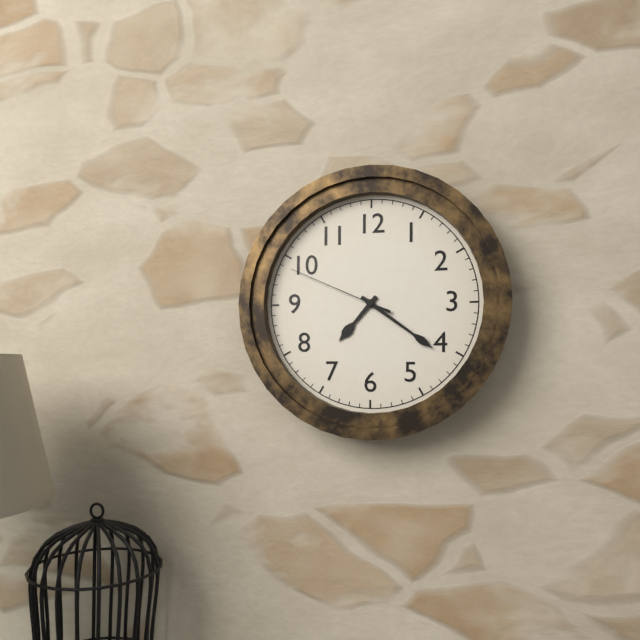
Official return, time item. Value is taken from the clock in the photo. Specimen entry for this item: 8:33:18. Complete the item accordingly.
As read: 7:21:49
